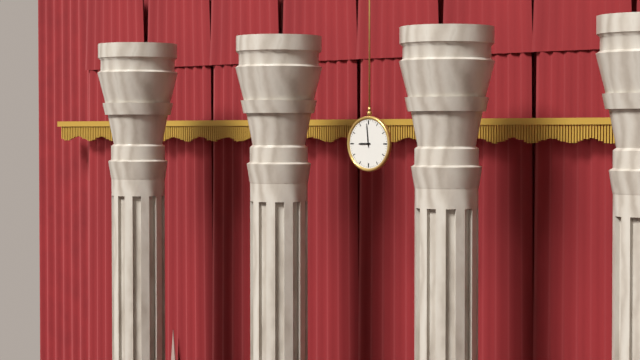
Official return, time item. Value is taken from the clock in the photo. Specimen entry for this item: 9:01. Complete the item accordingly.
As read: 8:59
